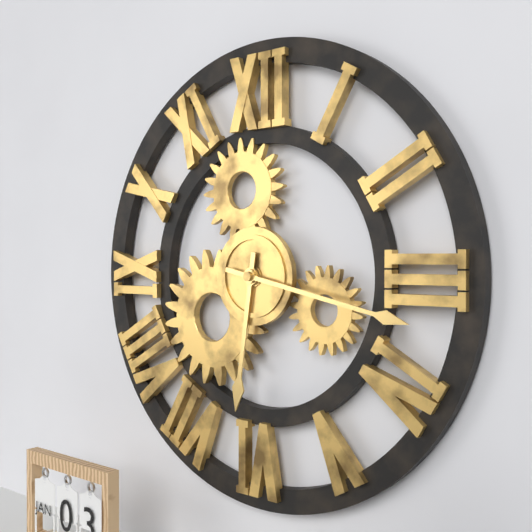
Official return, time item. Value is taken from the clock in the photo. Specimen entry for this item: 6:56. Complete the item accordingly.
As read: 6:17
